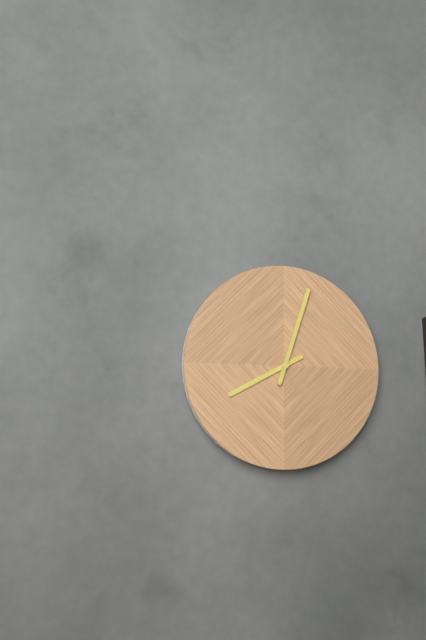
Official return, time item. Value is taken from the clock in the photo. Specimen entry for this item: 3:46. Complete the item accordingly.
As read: 8:03
